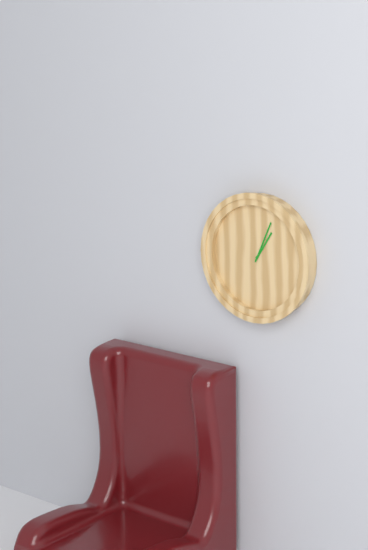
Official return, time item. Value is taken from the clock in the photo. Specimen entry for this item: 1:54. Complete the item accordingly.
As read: 1:04
